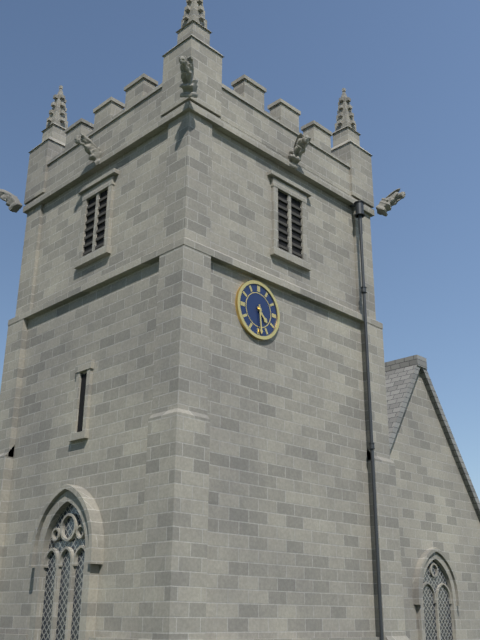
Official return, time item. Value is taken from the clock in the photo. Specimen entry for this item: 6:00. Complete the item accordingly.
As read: 4:29
